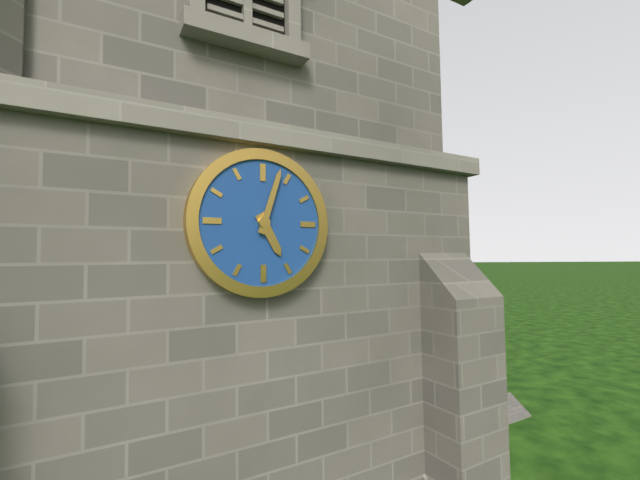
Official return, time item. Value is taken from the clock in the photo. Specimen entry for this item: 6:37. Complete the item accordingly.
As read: 5:03
